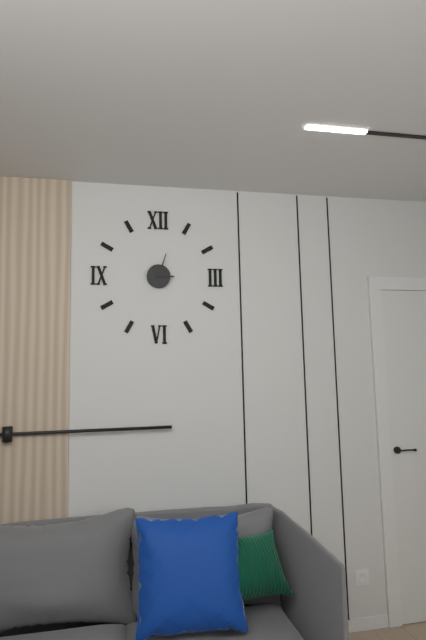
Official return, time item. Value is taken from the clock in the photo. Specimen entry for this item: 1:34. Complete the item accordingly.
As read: 3:03
